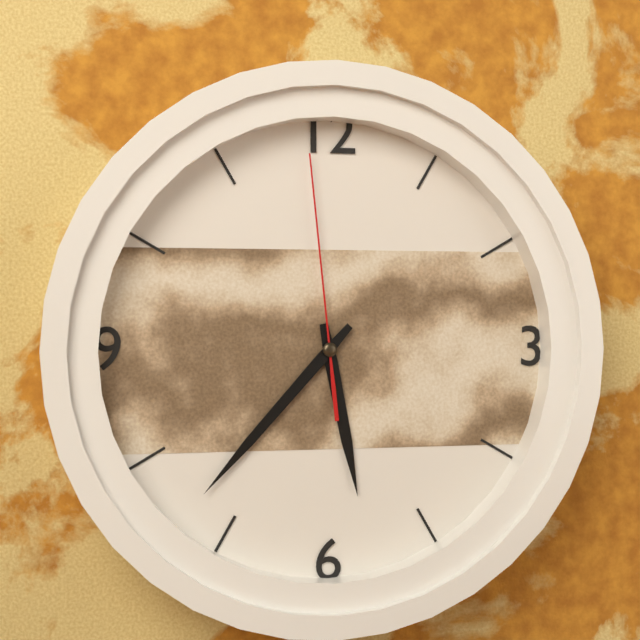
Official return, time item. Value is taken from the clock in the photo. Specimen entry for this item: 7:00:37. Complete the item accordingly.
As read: 5:37:59
